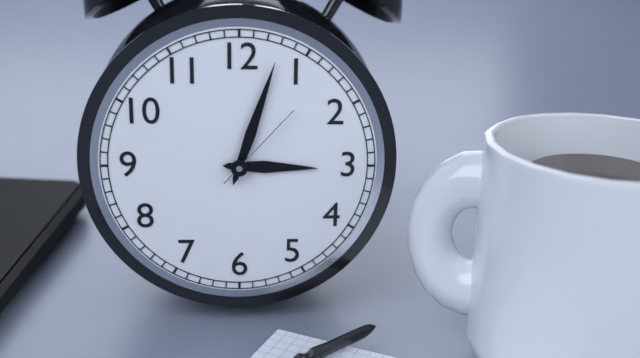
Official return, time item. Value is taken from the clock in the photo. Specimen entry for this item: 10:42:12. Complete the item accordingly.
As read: 3:03:07
